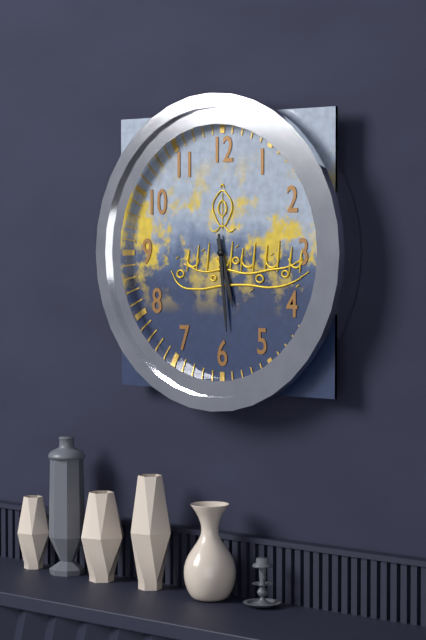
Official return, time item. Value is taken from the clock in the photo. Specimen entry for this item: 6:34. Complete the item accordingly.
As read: 5:29
